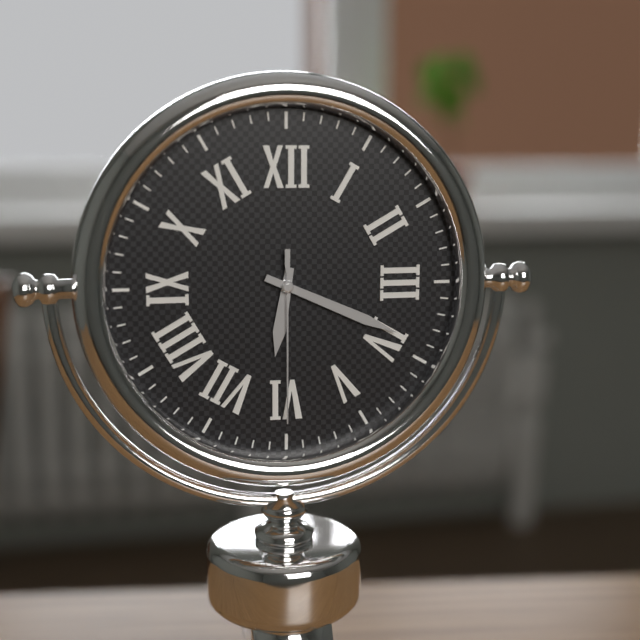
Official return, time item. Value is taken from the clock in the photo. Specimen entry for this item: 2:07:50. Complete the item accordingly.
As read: 6:19:30
